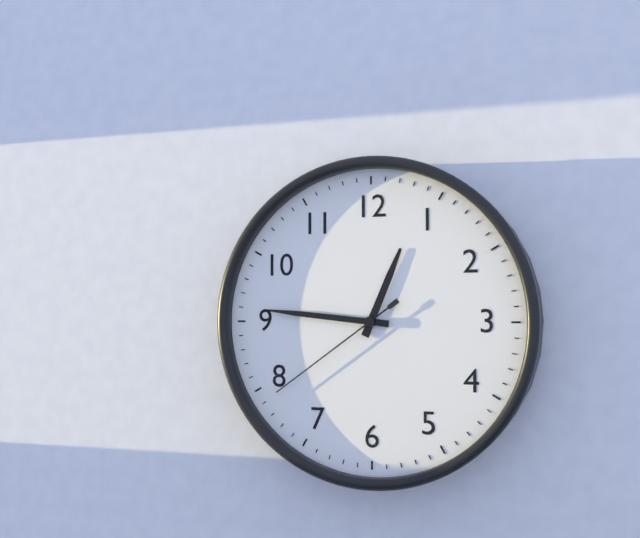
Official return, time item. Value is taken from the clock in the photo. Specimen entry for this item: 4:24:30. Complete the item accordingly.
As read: 12:46:39
